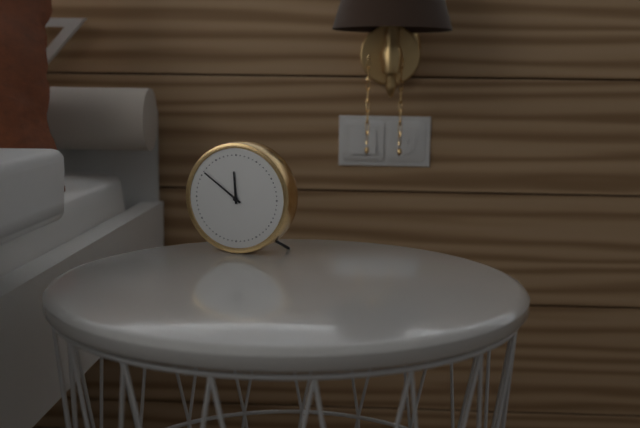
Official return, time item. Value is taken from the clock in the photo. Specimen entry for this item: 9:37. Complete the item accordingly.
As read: 11:51
